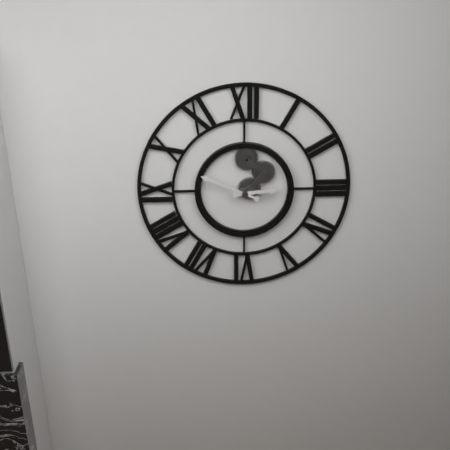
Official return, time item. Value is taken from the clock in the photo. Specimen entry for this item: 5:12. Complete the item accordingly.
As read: 2:49
